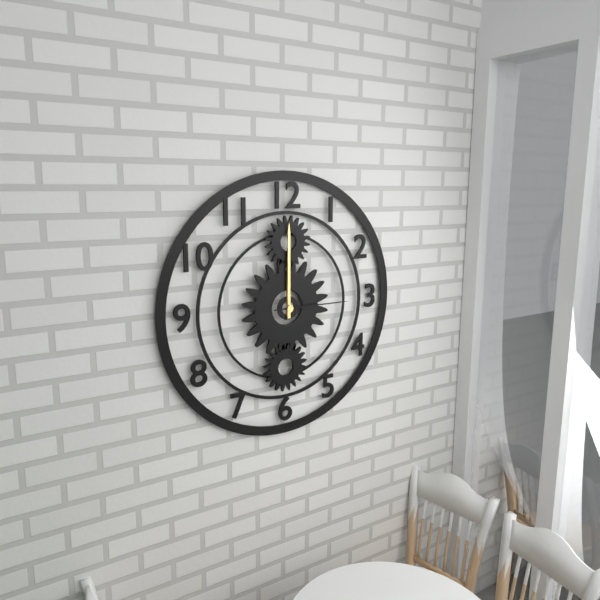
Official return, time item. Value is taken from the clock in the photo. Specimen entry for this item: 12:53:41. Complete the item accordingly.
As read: 12:00:15
